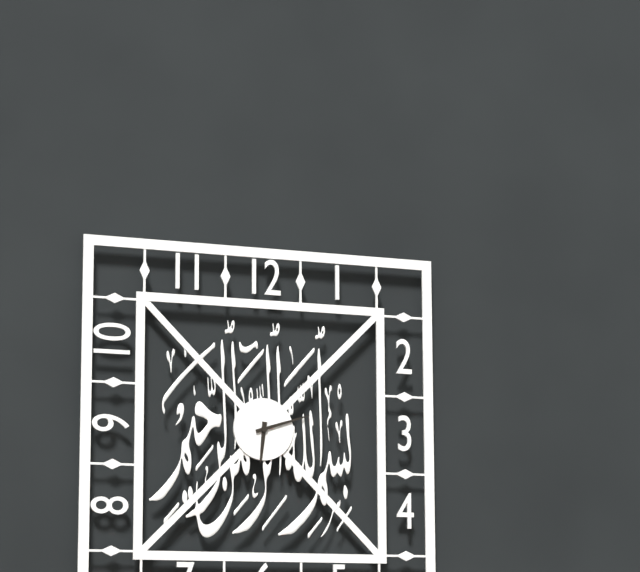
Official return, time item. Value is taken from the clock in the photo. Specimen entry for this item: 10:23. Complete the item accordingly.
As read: 6:12
